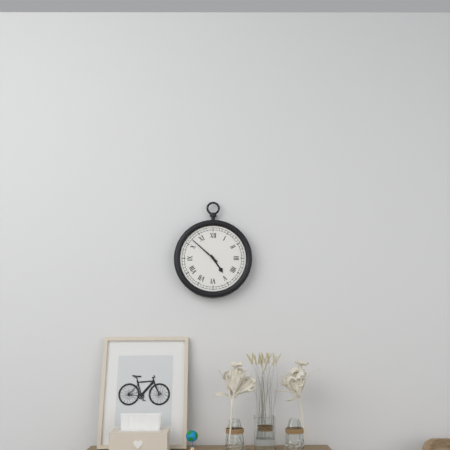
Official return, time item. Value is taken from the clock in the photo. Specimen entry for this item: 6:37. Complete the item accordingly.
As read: 4:52
